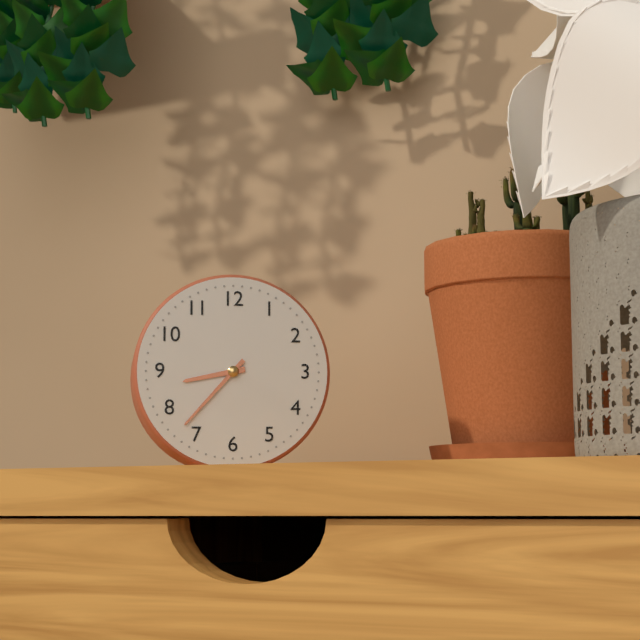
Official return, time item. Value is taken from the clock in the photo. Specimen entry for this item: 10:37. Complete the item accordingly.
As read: 8:37
